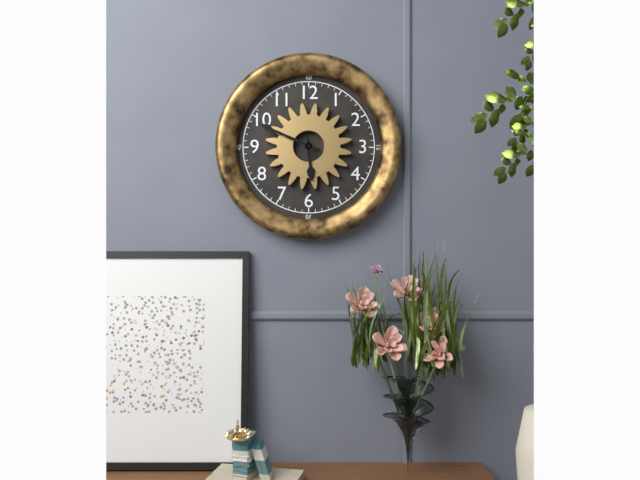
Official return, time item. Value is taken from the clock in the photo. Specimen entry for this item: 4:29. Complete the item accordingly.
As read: 5:49
